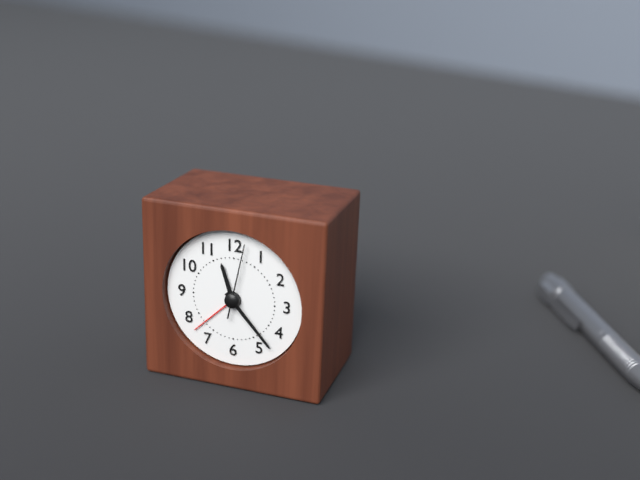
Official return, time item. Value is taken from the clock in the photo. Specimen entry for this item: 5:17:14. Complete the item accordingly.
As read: 11:23:02
